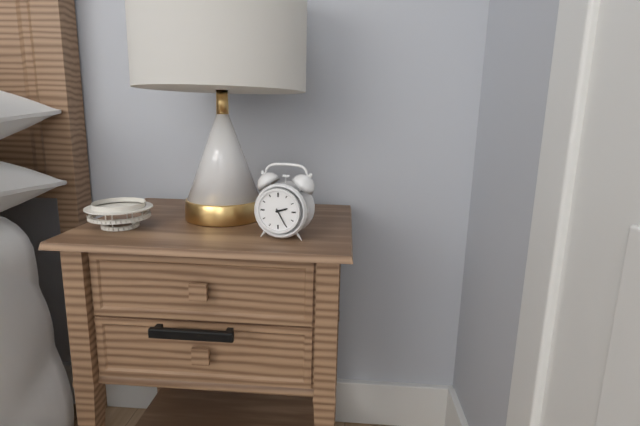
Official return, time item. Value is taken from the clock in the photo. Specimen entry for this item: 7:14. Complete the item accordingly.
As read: 2:25
